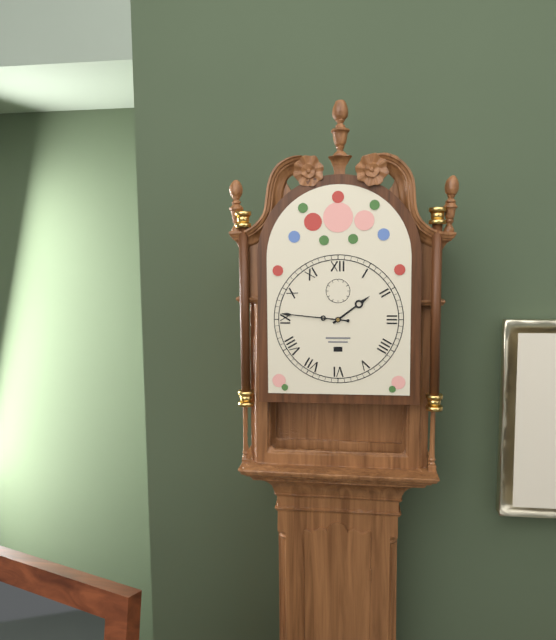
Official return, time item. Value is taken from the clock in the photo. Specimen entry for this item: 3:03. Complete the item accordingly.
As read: 1:46
